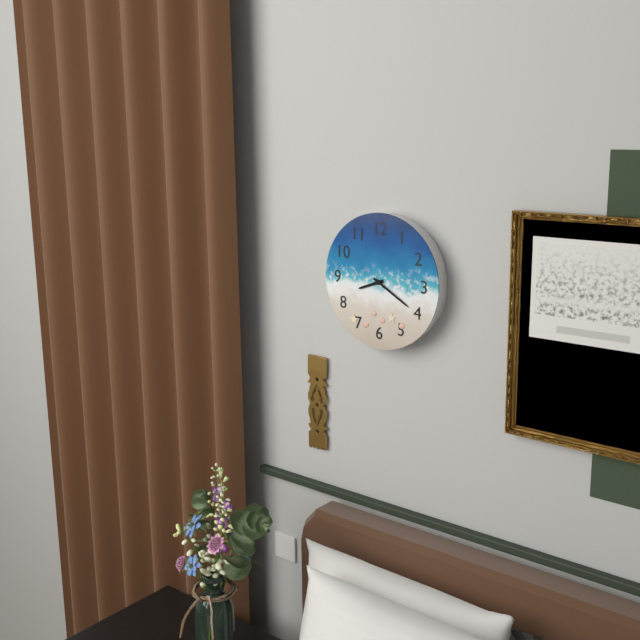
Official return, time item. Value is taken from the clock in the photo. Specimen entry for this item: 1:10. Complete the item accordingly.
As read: 8:20
